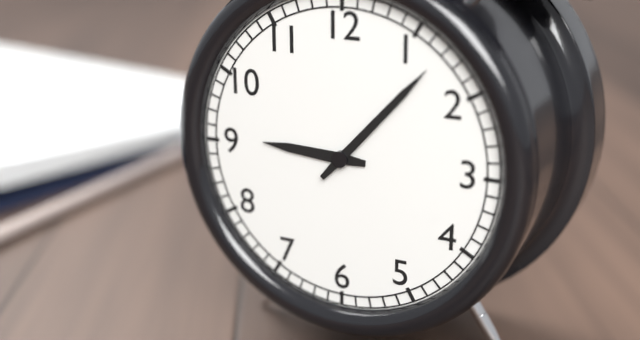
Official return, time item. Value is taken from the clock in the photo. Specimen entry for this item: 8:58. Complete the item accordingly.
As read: 9:07
